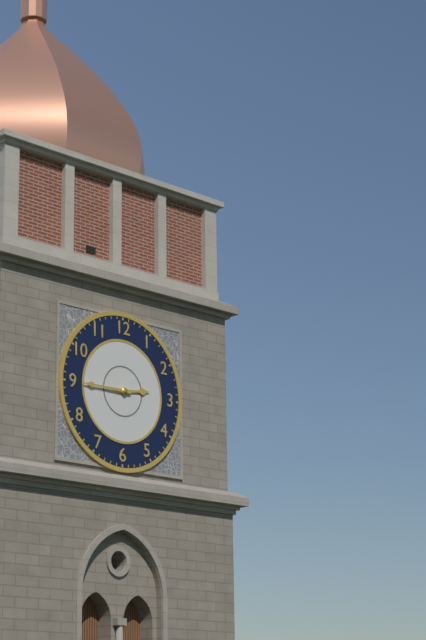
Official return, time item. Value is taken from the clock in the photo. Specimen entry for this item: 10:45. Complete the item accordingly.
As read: 2:45
